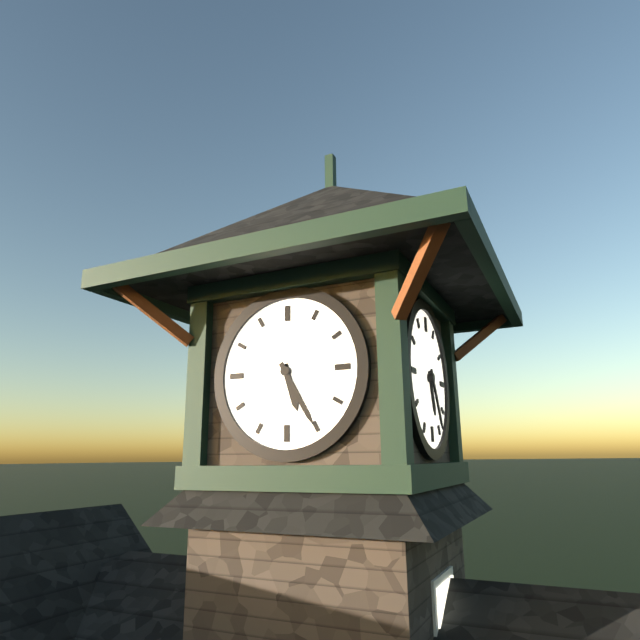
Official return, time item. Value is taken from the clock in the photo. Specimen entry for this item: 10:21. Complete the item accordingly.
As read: 5:25
